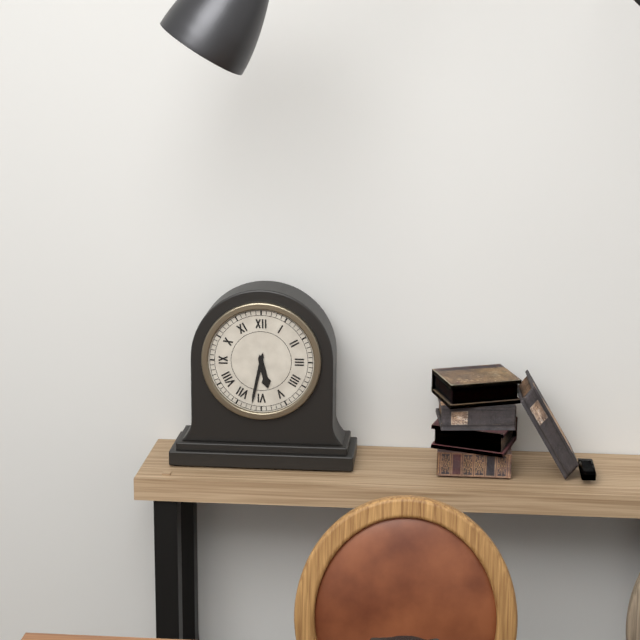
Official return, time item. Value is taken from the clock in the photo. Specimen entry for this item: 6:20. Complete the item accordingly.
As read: 5:32
